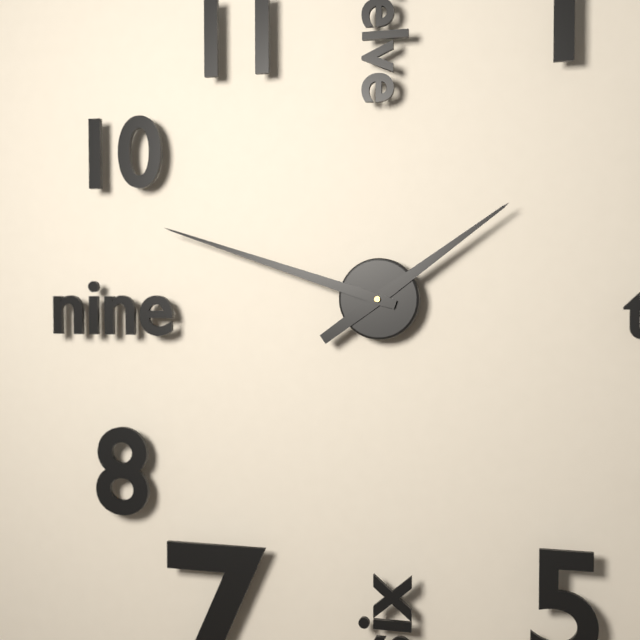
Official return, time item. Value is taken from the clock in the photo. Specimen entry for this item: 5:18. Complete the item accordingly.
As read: 1:48
